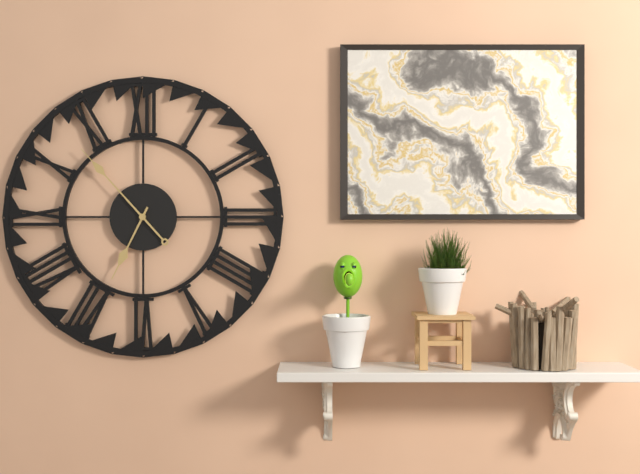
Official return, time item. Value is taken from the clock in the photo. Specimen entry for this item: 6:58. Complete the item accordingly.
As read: 6:53
